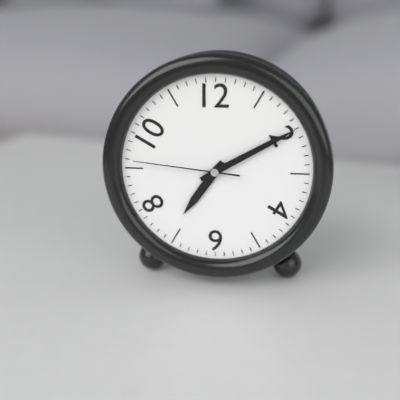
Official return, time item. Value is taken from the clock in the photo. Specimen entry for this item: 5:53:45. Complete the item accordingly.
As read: 7:10:46
